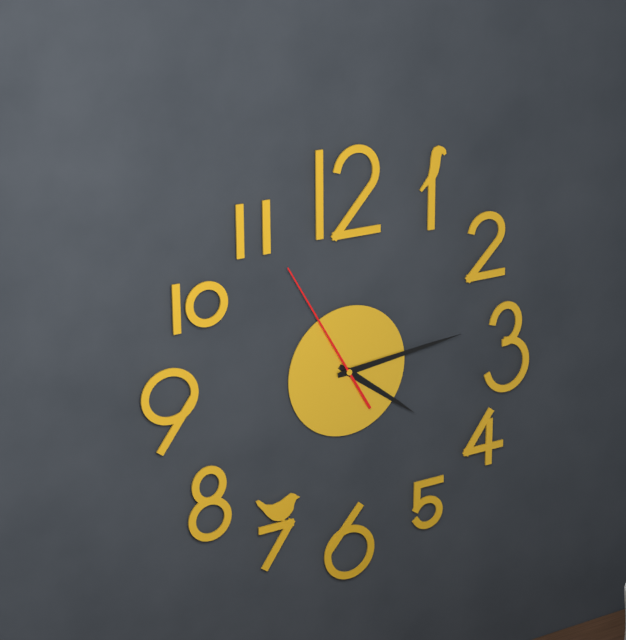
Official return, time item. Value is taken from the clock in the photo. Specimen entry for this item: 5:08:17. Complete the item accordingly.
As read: 4:14:55
